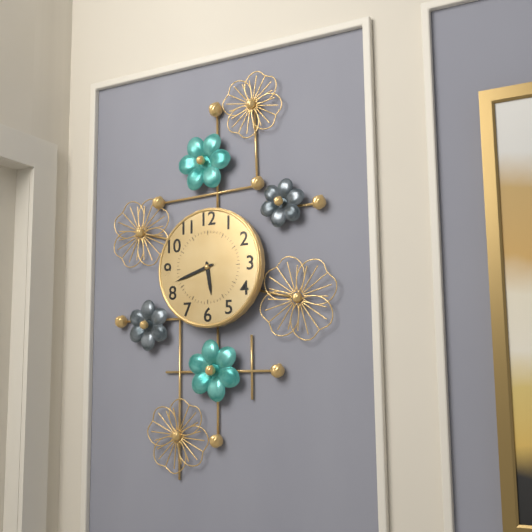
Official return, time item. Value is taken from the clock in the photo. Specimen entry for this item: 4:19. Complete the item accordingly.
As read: 5:42
